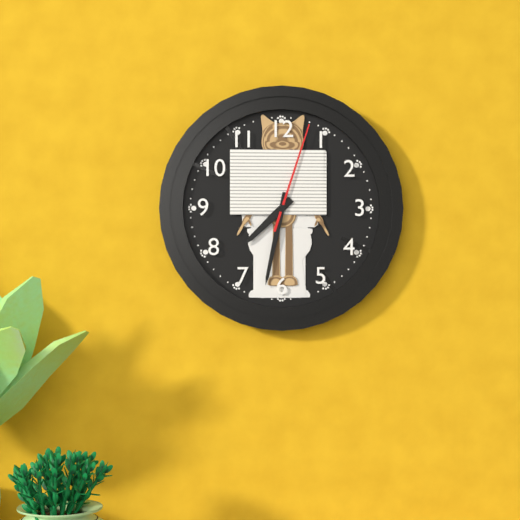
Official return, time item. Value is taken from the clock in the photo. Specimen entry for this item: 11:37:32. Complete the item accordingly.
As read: 7:32:03
